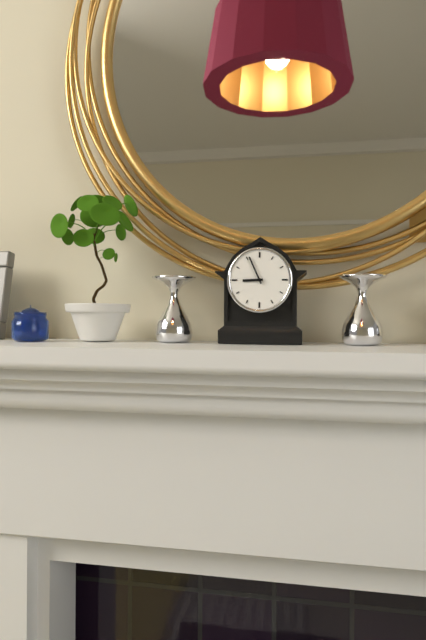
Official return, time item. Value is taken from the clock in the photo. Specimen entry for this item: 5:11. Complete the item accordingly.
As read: 8:56
